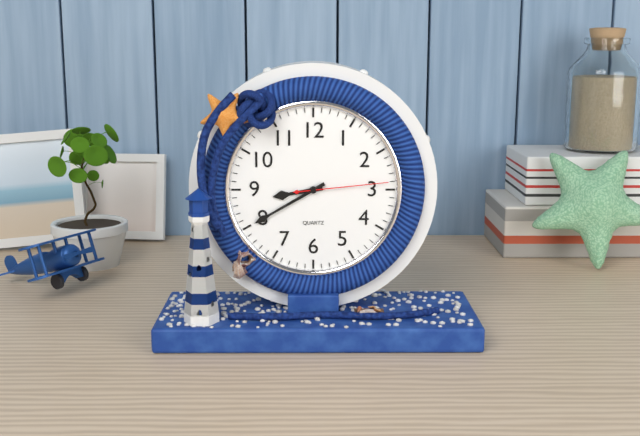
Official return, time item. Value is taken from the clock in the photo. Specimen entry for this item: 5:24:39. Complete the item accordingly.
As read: 8:40:14
